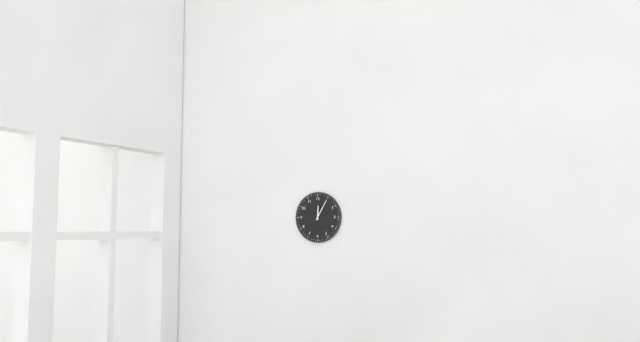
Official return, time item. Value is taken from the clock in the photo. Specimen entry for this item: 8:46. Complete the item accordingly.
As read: 12:05
